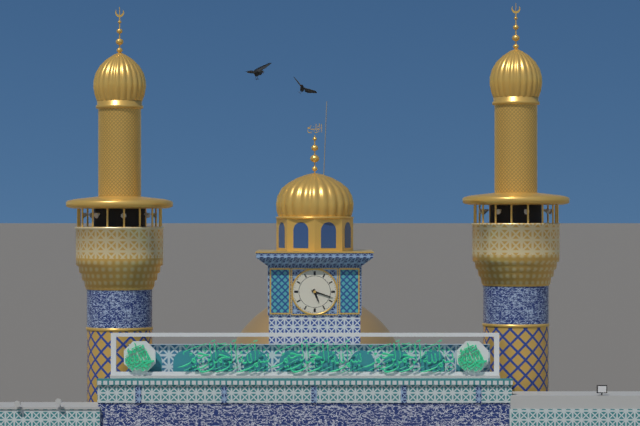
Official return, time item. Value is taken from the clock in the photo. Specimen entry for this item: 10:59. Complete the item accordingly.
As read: 5:18
